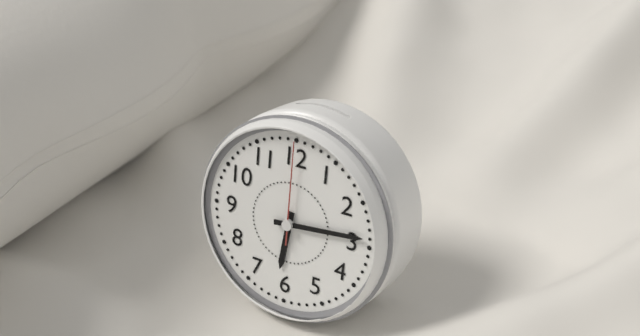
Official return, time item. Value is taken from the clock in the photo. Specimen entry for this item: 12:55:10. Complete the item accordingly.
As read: 6:14:00
